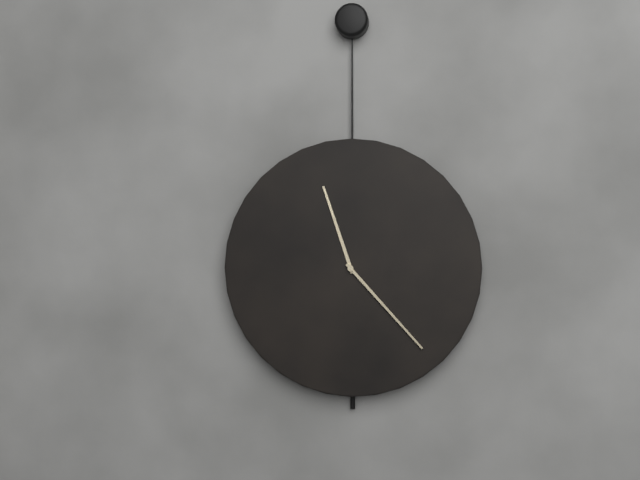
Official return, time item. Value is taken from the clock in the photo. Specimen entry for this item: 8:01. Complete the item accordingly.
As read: 11:23
